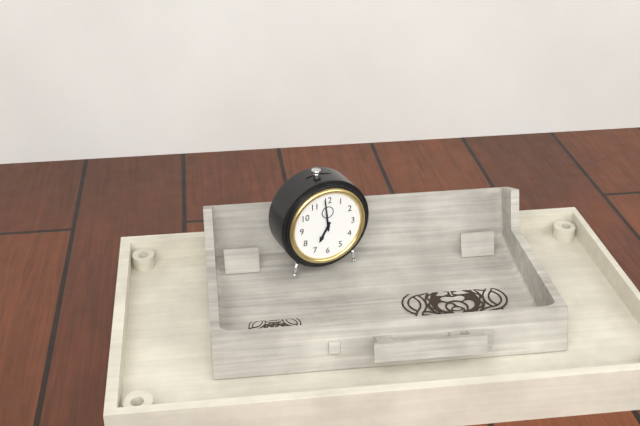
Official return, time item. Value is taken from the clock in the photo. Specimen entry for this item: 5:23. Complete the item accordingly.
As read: 6:59
